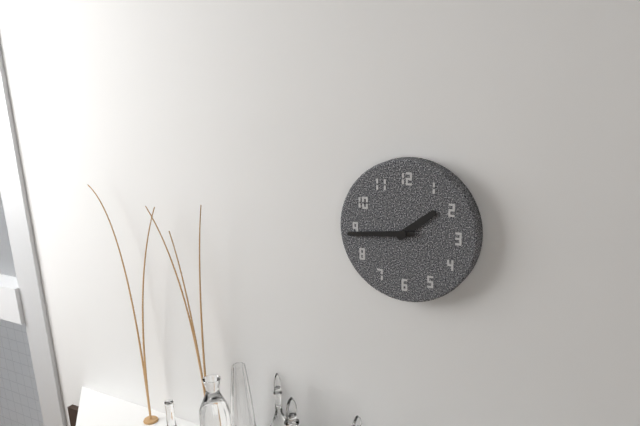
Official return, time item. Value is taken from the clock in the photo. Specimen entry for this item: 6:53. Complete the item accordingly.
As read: 1:44
